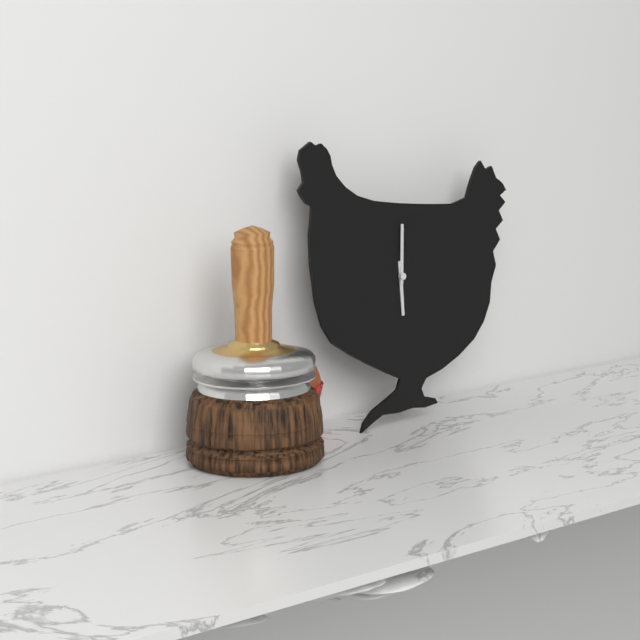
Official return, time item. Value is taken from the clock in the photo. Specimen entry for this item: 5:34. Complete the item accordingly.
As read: 6:01
